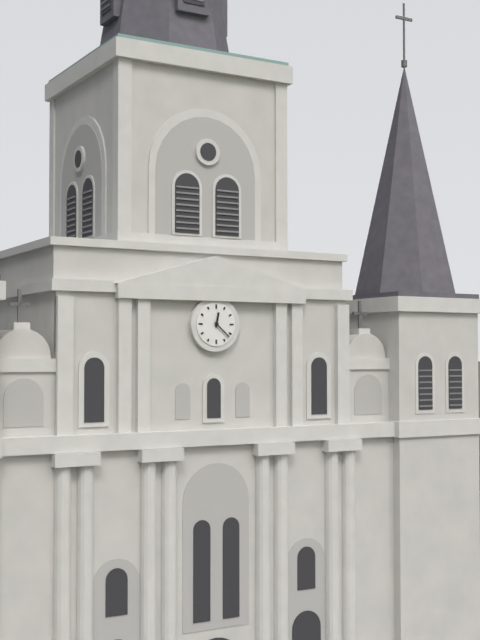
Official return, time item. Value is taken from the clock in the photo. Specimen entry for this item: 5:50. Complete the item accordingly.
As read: 12:22
